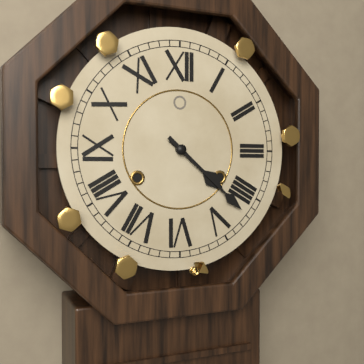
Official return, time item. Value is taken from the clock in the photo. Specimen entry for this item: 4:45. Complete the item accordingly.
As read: 4:22
